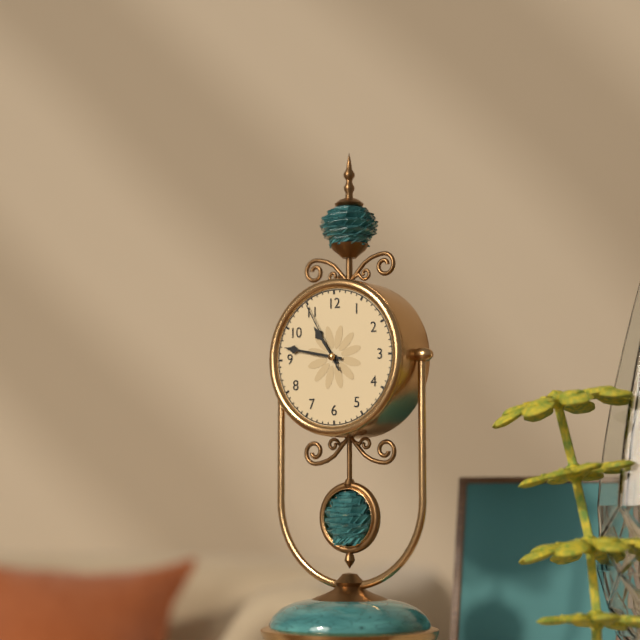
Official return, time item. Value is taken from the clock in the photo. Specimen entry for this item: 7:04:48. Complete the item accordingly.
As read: 10:47:55
